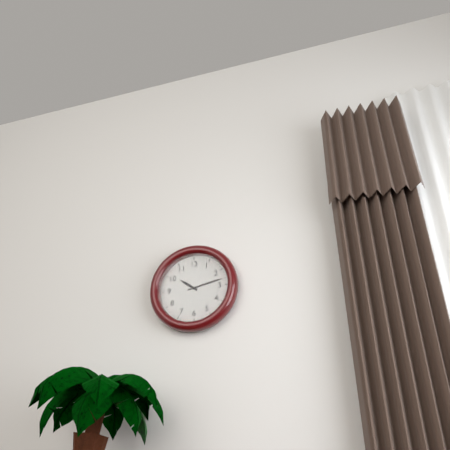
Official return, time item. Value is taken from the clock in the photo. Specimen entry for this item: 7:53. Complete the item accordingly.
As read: 10:13
